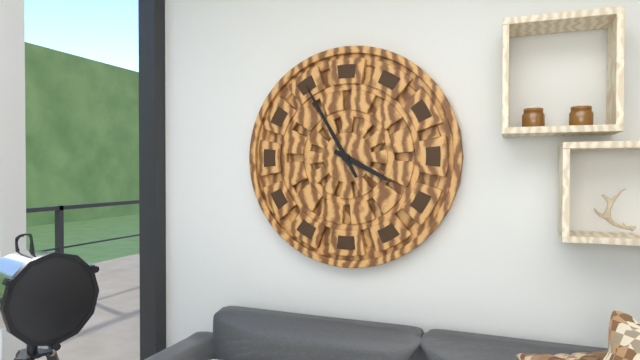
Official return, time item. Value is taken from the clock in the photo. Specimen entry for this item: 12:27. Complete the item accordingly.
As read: 3:55
